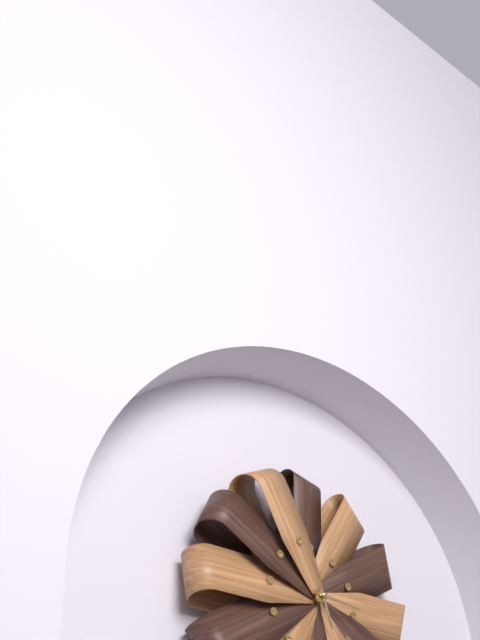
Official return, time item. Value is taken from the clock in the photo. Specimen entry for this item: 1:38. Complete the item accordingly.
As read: 5:16
